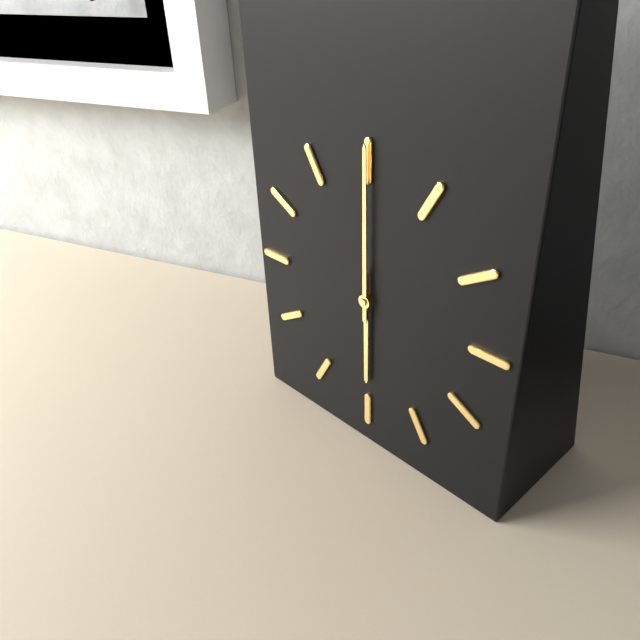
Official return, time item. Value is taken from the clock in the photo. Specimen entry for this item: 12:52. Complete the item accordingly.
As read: 6:00
